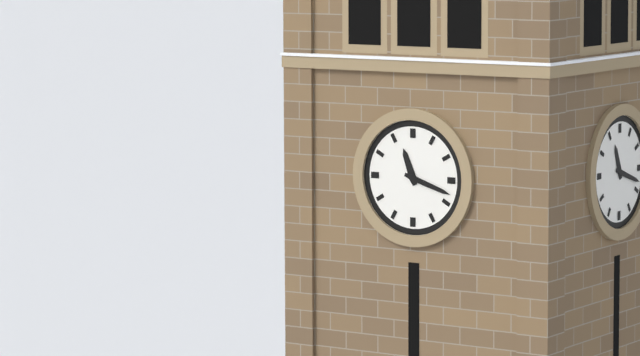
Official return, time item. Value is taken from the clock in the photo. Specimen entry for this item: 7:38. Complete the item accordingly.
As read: 11:18
